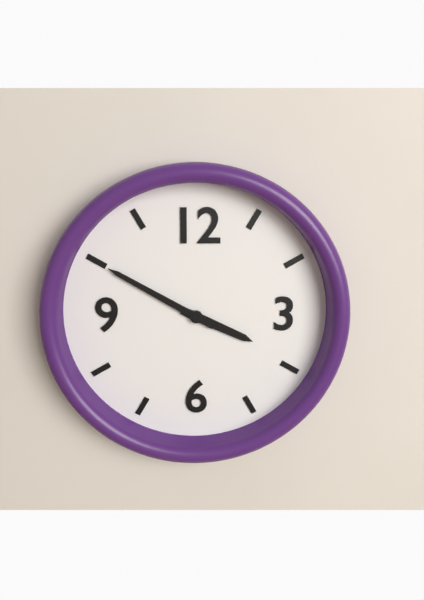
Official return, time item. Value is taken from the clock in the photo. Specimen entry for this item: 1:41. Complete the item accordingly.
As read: 3:50
